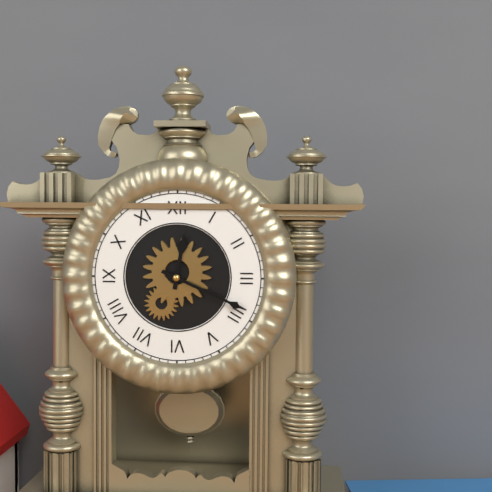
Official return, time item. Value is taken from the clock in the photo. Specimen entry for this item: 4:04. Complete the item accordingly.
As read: 12:19
